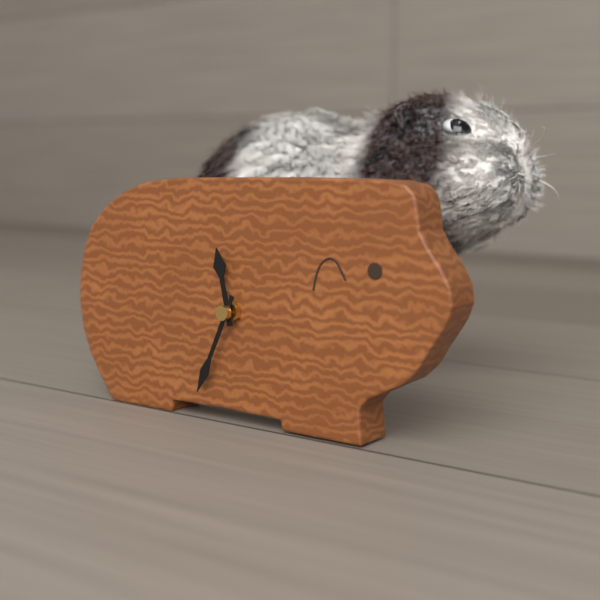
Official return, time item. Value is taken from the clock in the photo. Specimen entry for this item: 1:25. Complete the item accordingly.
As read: 11:34
